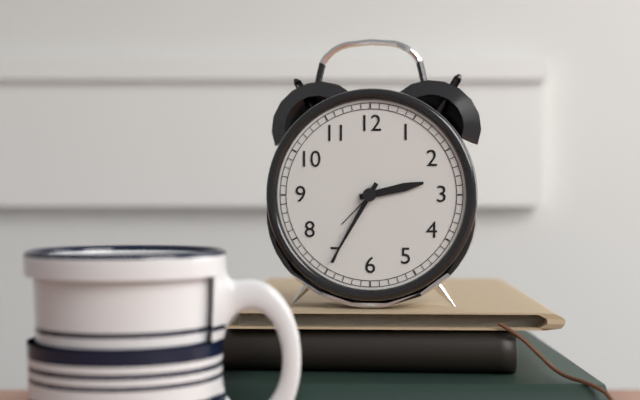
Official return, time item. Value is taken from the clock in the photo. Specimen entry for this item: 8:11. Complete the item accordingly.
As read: 2:35
